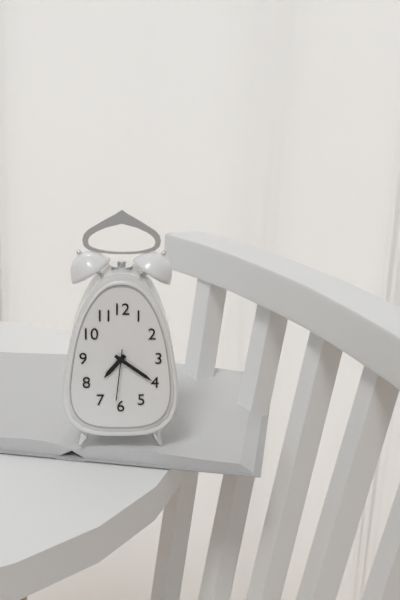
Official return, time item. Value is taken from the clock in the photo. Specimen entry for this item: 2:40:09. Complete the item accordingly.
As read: 7:21:31
